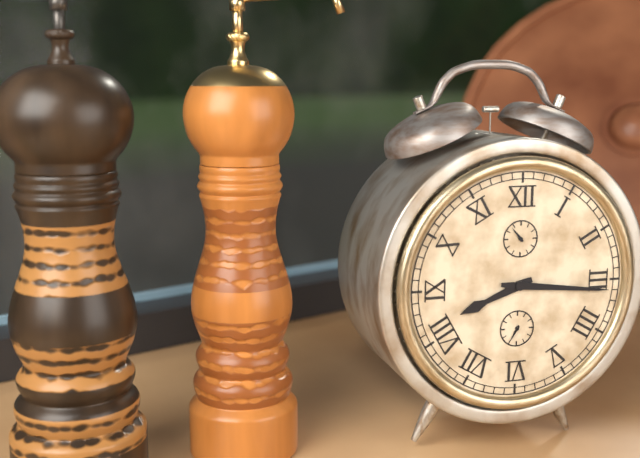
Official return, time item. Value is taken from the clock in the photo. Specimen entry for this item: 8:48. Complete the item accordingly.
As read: 8:16
